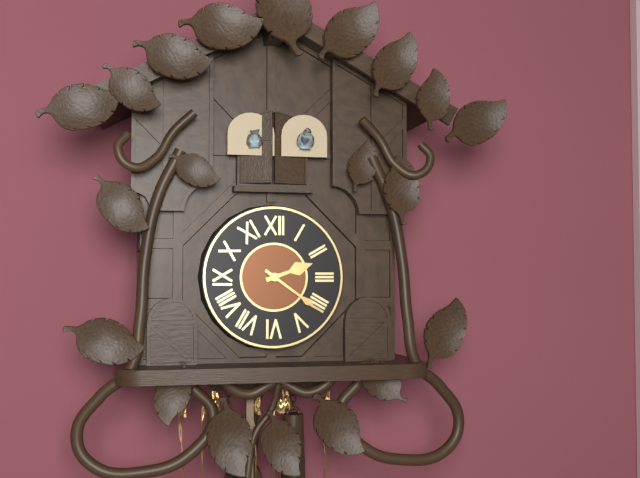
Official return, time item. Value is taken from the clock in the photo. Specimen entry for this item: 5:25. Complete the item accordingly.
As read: 2:21
